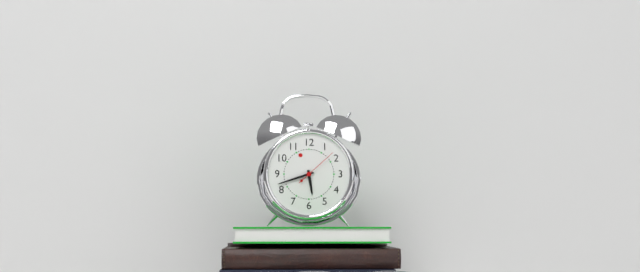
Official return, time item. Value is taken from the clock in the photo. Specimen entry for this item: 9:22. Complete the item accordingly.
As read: 5:42
